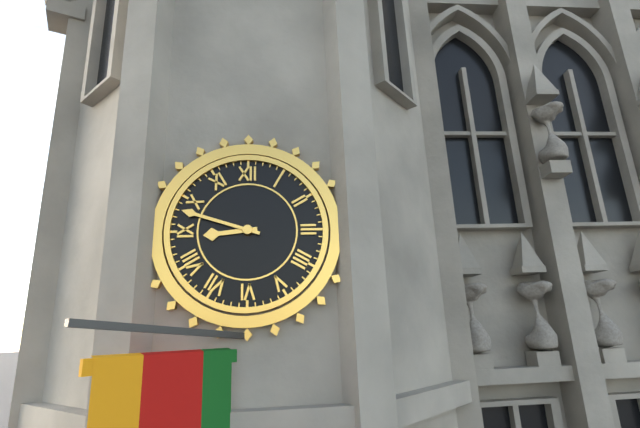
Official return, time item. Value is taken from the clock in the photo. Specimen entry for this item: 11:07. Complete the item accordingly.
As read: 8:48
